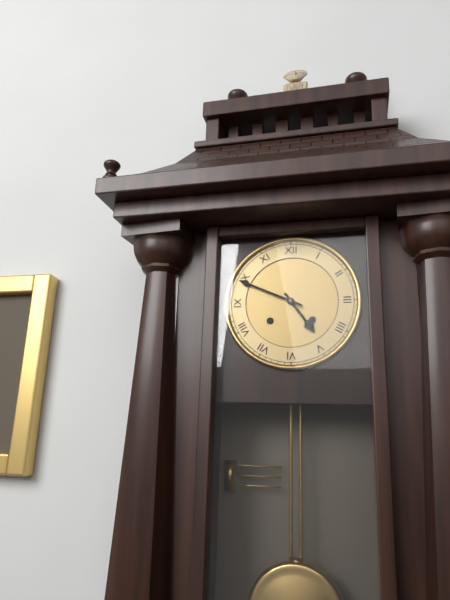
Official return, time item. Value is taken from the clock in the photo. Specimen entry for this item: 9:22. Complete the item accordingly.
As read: 4:49
